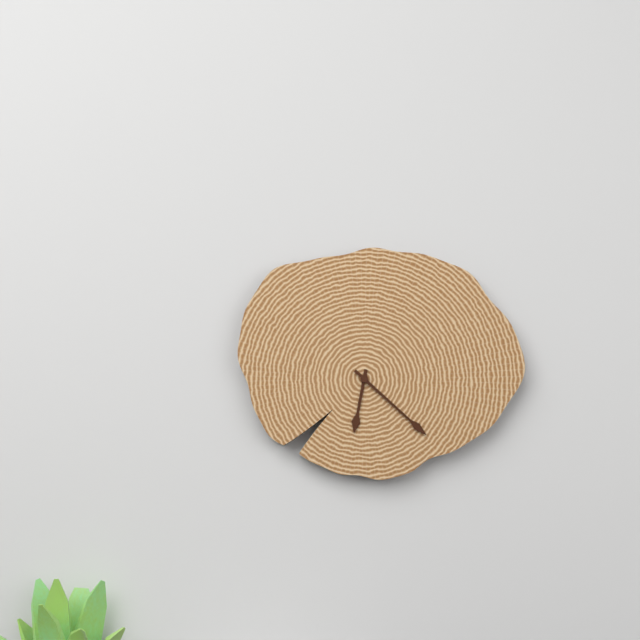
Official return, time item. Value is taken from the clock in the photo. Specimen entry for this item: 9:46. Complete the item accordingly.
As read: 6:22
